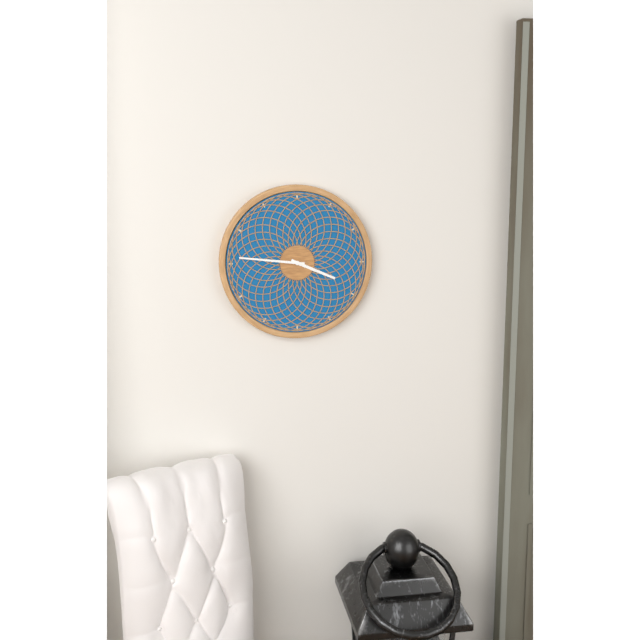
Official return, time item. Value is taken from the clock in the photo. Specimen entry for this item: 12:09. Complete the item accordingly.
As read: 3:46
